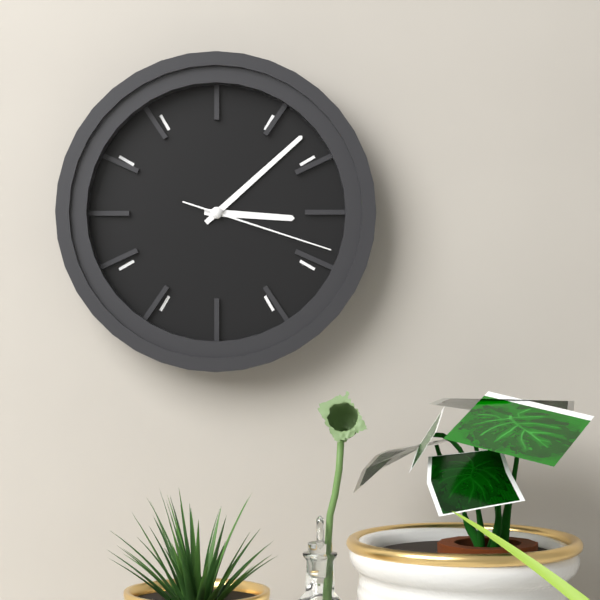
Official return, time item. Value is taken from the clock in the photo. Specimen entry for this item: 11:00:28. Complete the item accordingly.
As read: 3:08:18
